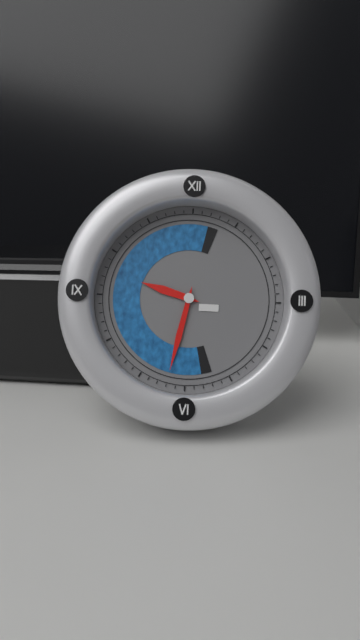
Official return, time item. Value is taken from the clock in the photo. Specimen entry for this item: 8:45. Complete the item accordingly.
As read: 9:32
